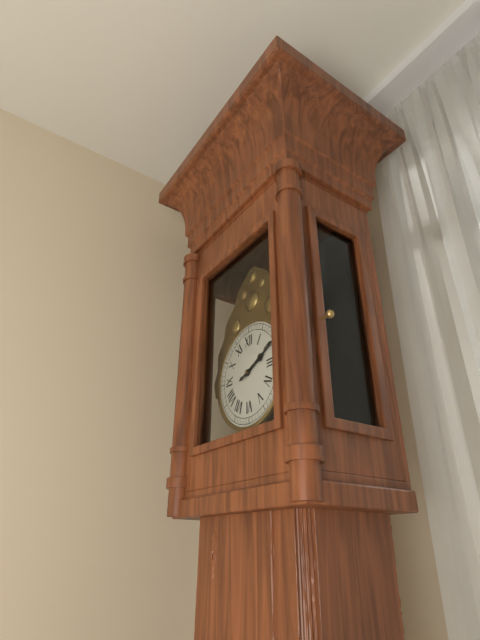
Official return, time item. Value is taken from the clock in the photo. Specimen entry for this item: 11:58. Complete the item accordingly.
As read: 2:11
